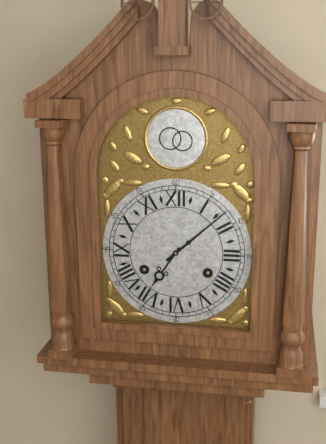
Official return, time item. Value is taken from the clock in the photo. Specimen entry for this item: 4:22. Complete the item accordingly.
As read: 7:08
